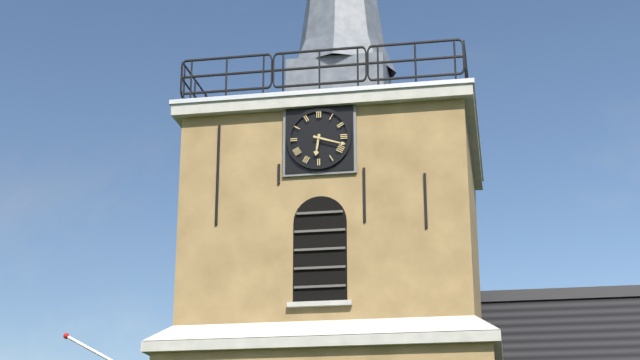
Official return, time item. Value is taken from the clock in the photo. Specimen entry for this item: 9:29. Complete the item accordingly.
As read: 6:18
